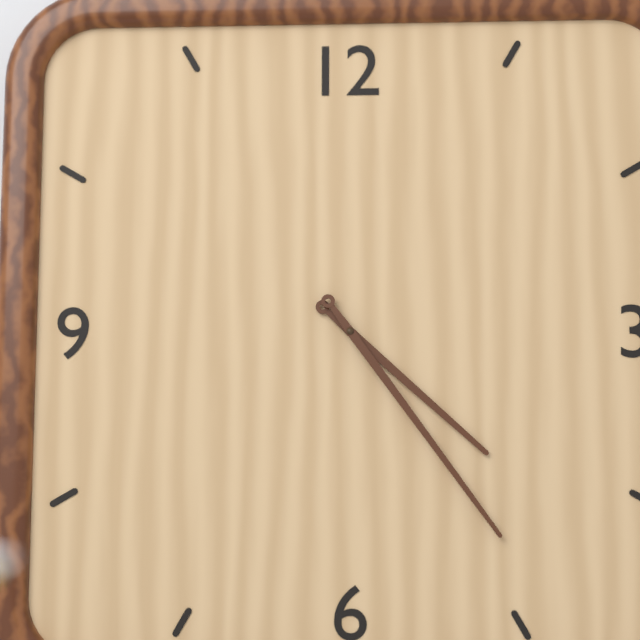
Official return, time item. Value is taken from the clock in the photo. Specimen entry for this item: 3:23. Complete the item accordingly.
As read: 4:24
